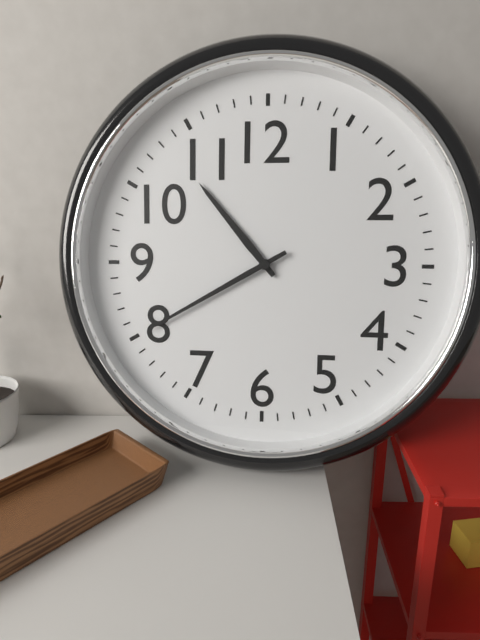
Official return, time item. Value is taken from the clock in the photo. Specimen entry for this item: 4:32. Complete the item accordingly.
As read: 10:40
